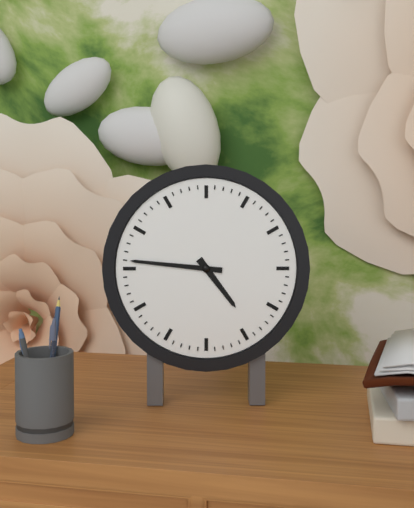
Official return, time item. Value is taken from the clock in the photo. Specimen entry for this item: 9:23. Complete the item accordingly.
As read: 4:46
